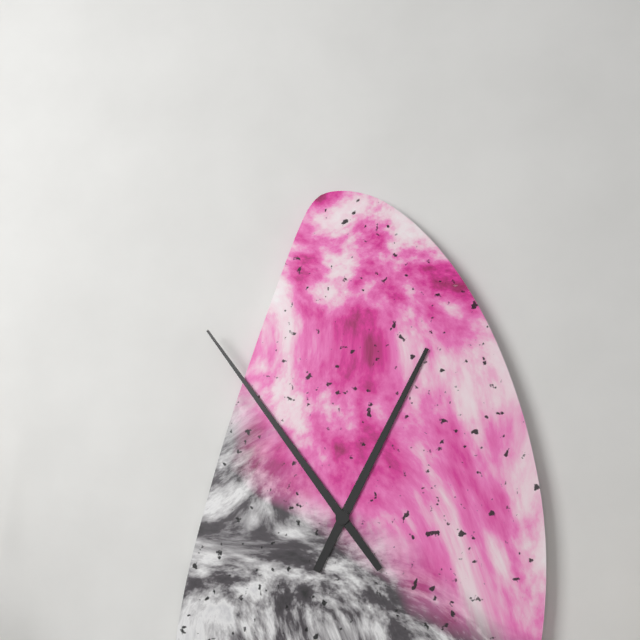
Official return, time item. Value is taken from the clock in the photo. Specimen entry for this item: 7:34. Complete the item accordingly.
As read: 12:54
